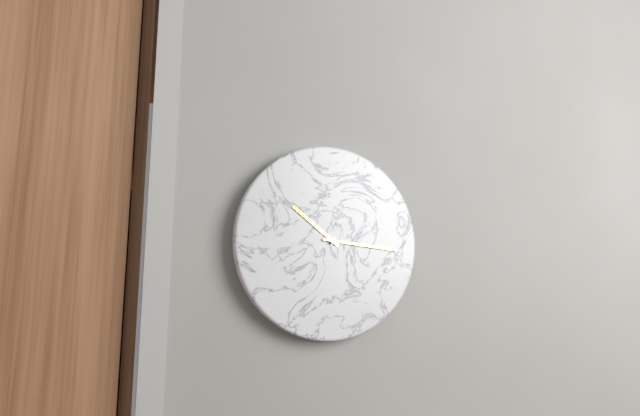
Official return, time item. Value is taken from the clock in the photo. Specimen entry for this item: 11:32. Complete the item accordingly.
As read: 10:16
